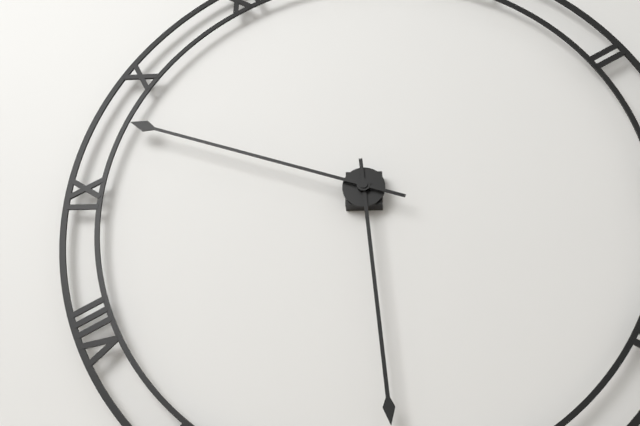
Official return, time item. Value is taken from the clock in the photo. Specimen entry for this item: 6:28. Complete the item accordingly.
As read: 5:48
